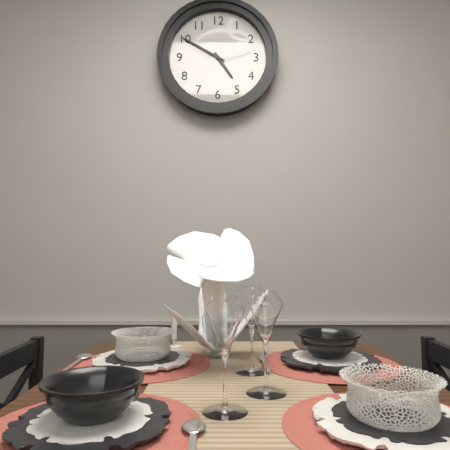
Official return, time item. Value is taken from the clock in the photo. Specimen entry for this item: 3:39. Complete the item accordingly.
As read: 4:50
